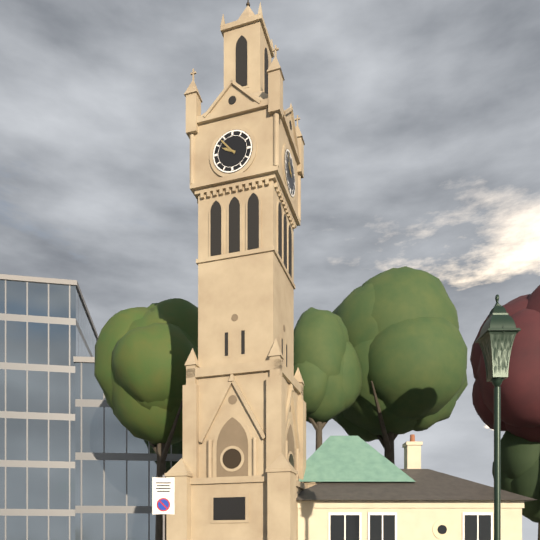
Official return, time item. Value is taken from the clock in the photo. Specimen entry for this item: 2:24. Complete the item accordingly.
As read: 9:53
